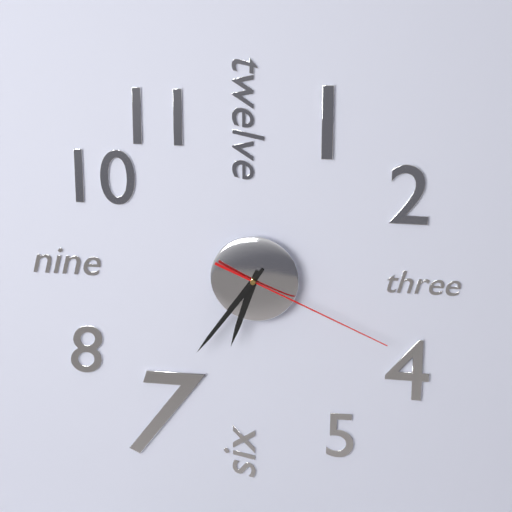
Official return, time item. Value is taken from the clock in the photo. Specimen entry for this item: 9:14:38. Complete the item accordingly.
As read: 6:36:19
